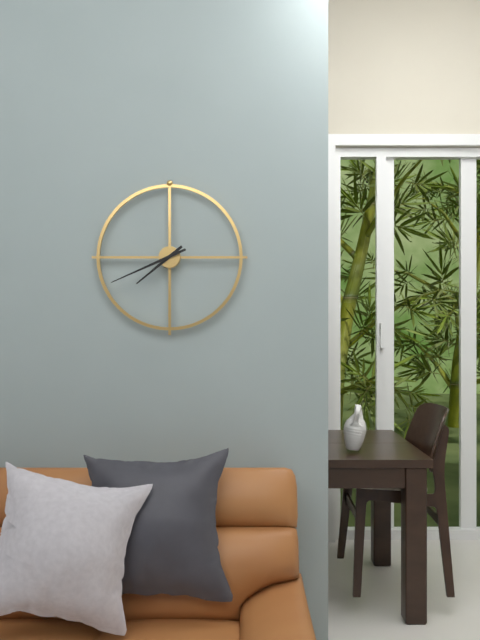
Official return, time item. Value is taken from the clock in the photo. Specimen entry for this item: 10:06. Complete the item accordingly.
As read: 7:41
